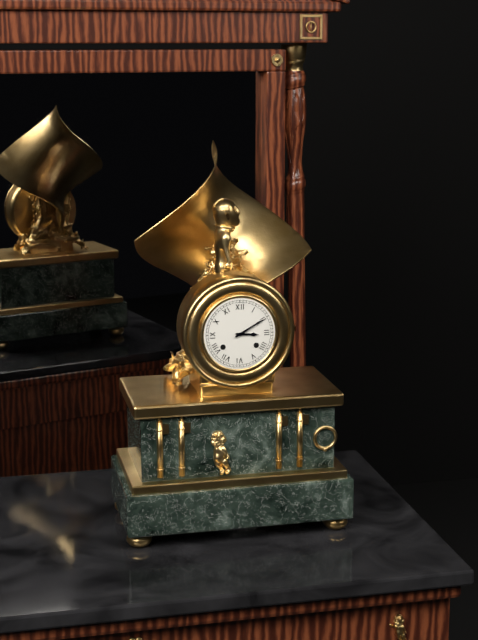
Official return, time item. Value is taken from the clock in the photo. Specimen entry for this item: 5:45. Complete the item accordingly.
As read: 3:10
